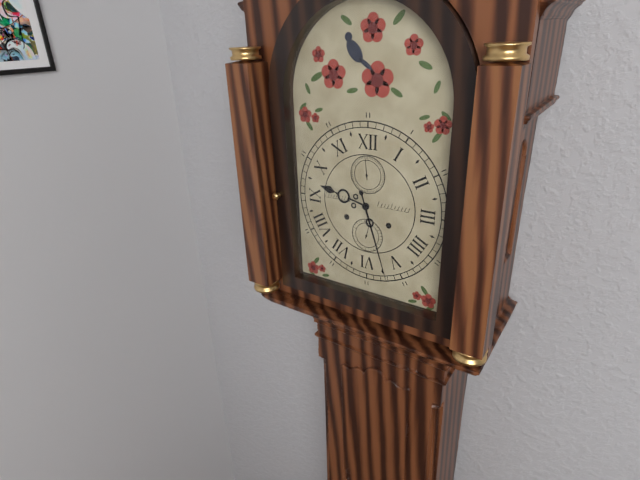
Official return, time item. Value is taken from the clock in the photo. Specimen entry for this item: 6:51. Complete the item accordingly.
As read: 9:27
